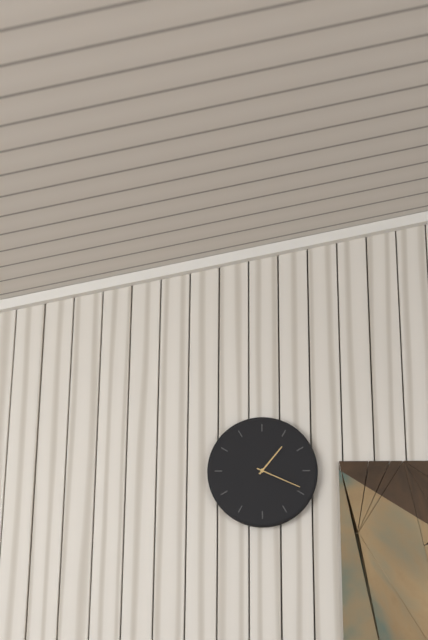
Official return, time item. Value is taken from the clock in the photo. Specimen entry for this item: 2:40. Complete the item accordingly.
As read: 1:19
